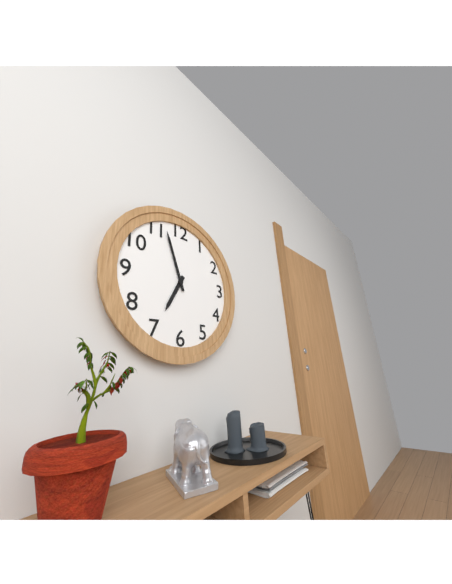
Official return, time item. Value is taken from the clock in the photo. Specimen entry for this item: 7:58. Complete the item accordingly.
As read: 6:57
